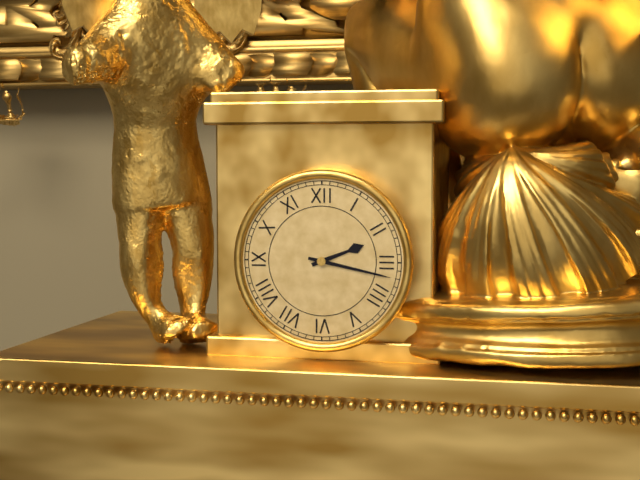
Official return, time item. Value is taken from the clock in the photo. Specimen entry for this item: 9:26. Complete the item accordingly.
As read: 2:17
